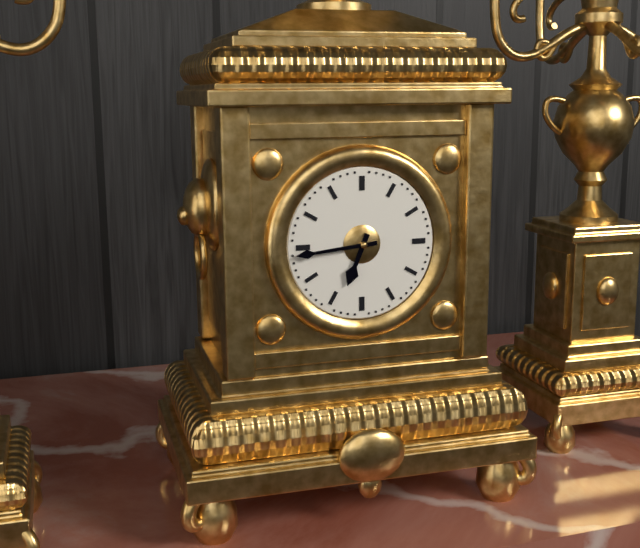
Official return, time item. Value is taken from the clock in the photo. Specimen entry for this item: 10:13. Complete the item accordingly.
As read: 6:44
